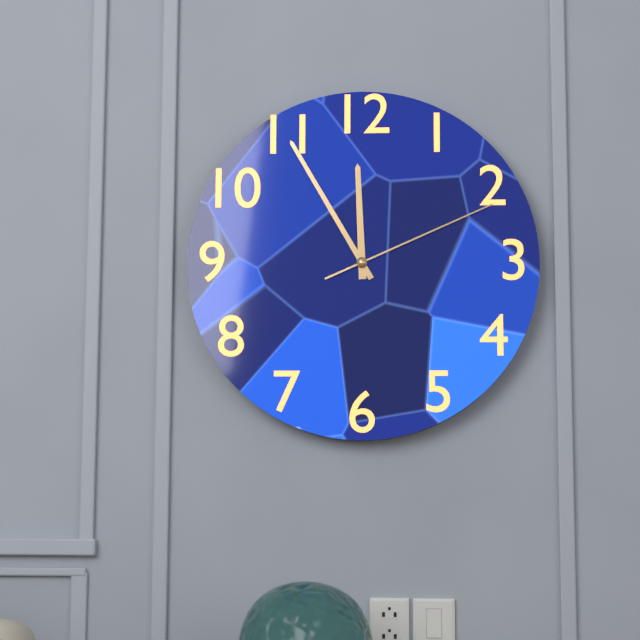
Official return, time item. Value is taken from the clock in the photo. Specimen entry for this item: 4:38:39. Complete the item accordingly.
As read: 11:55:11
